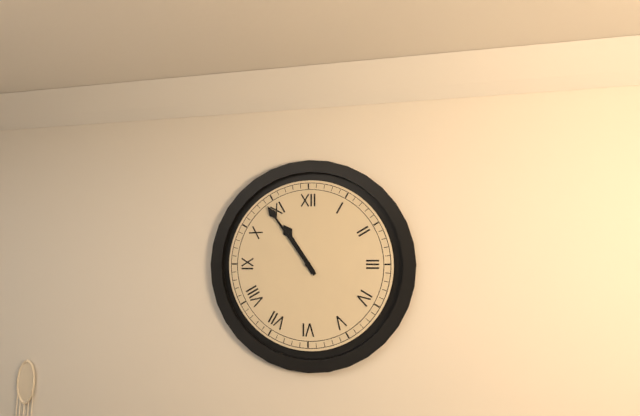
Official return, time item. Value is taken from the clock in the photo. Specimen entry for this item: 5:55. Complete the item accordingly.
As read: 10:54
